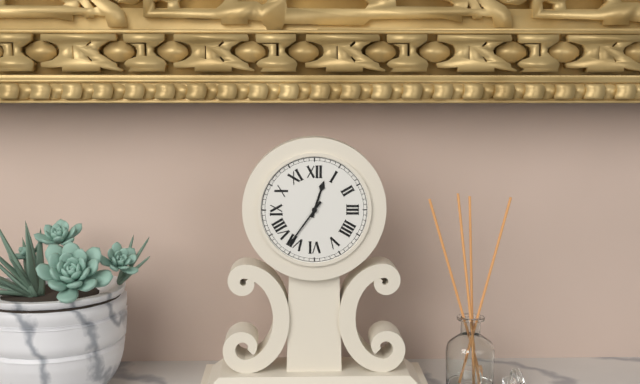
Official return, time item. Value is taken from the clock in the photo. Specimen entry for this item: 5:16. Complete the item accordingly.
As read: 12:36
